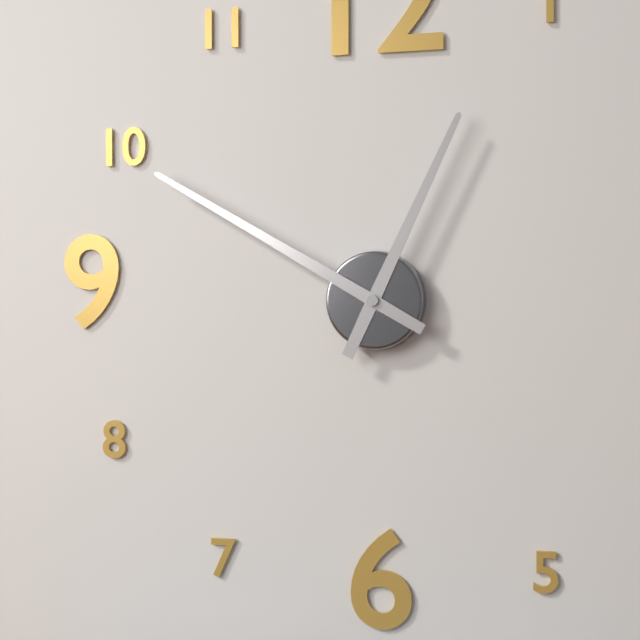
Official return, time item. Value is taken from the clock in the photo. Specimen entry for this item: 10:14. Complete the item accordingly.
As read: 12:50
